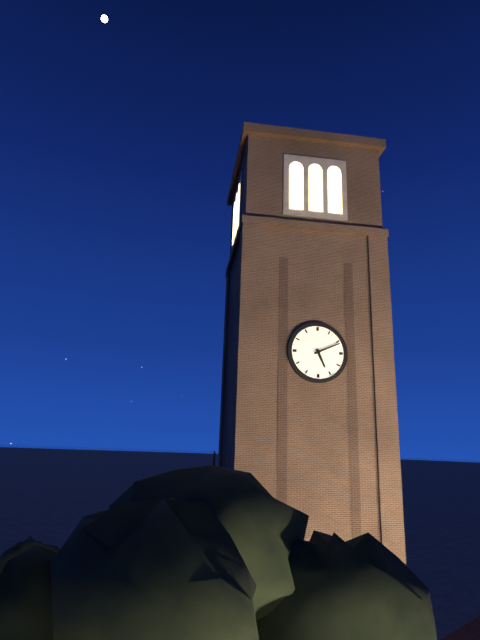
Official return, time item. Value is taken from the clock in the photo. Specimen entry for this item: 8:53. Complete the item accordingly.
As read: 5:11
